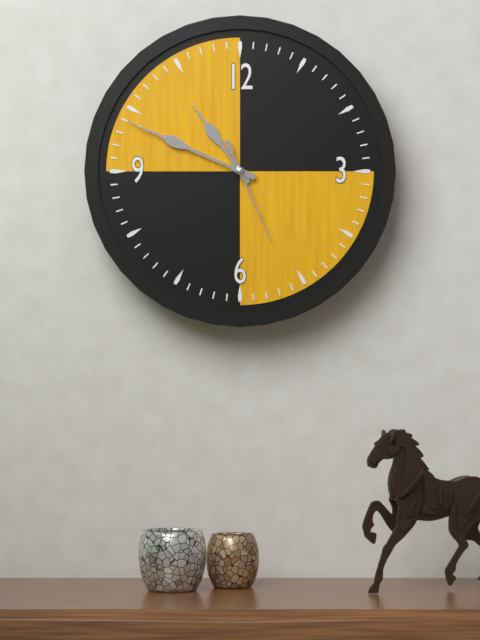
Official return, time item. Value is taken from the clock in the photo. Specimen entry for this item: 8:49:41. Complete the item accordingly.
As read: 10:49:26
